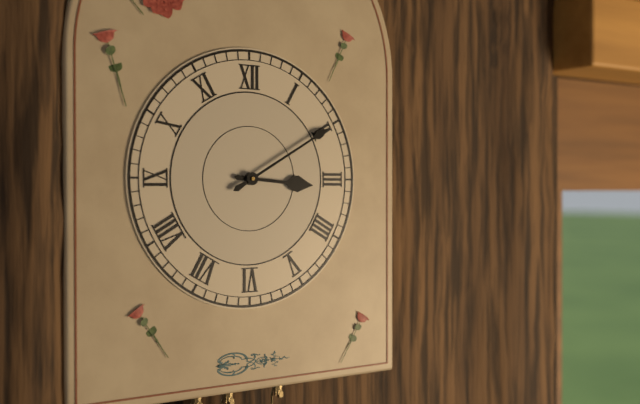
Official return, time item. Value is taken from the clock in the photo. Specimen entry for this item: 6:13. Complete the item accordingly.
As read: 3:10
